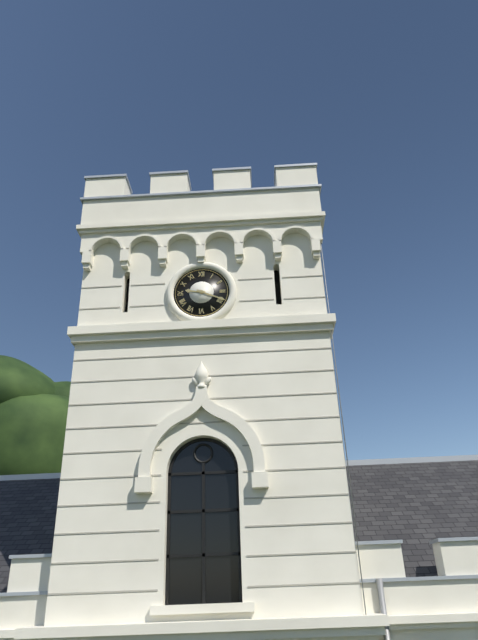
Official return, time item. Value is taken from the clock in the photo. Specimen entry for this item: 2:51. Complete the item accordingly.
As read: 9:19
